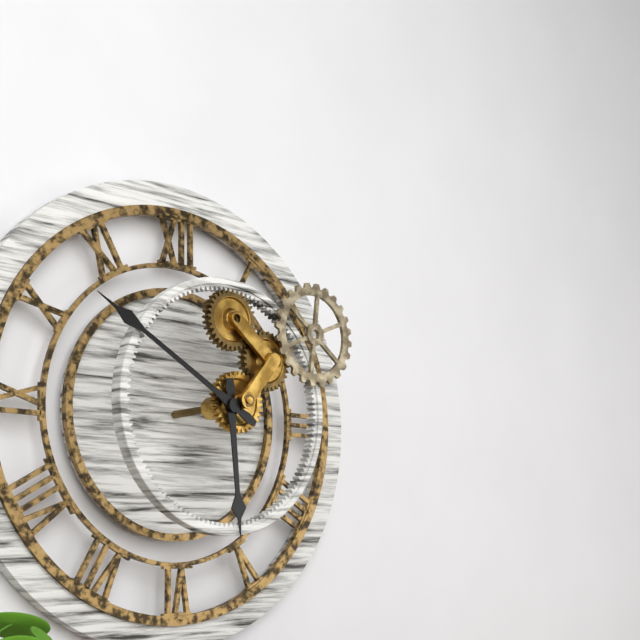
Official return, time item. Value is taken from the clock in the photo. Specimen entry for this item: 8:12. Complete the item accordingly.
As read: 5:50
